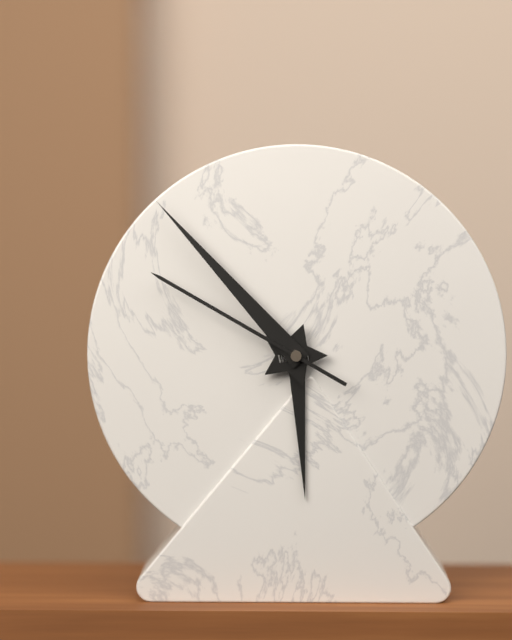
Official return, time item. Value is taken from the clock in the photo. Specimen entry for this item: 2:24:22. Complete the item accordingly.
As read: 5:53:50
